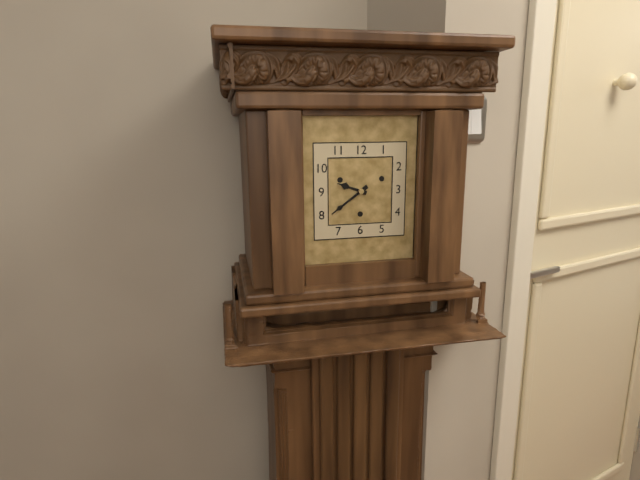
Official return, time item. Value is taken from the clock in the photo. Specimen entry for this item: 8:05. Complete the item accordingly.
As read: 9:39
